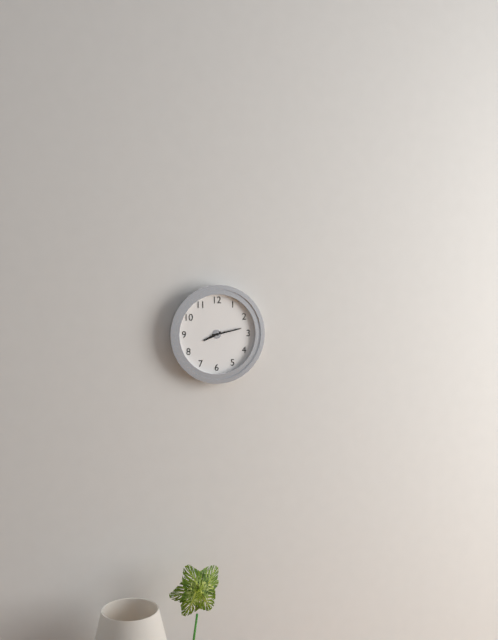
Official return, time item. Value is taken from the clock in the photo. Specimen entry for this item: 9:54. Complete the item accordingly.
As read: 8:13
